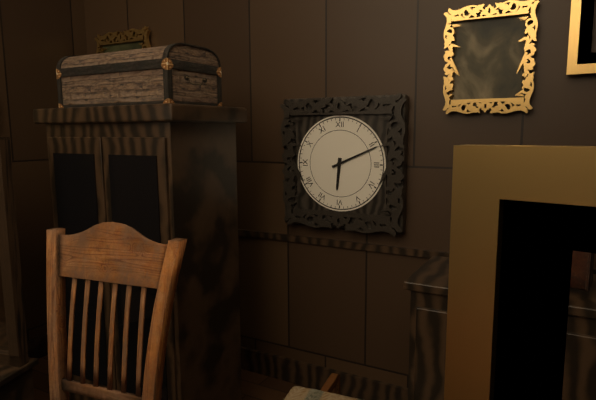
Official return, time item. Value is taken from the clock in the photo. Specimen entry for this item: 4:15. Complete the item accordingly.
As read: 6:11
